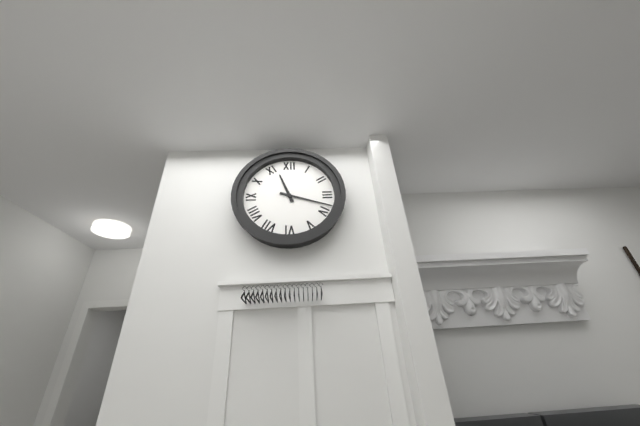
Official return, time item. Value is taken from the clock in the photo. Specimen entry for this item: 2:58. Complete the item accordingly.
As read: 11:18
